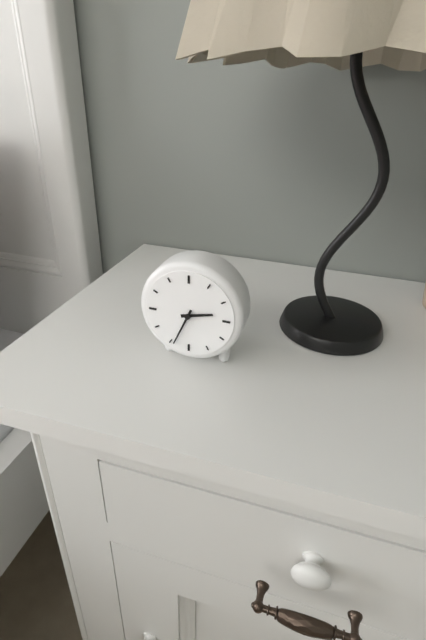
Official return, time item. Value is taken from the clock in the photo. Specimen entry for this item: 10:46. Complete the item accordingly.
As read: 2:34
